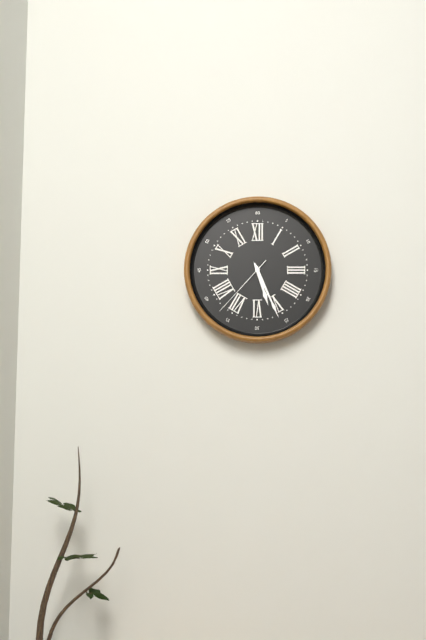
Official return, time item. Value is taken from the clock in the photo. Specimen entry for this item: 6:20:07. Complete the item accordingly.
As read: 5:26:37
